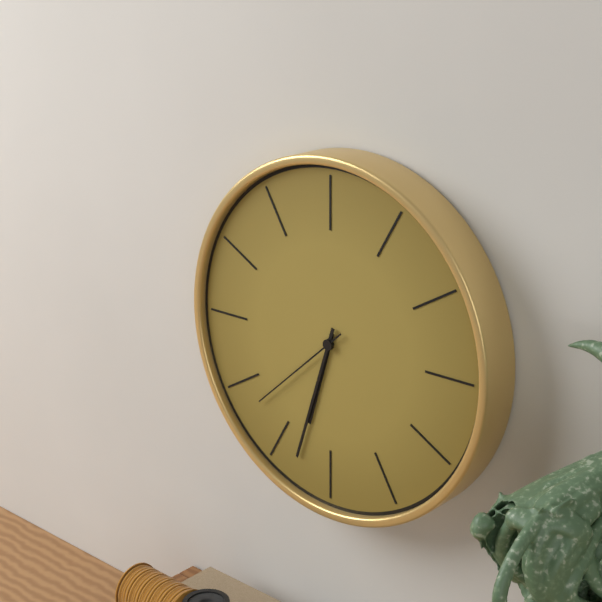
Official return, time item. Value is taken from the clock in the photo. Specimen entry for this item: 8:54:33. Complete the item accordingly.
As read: 6:33:38
